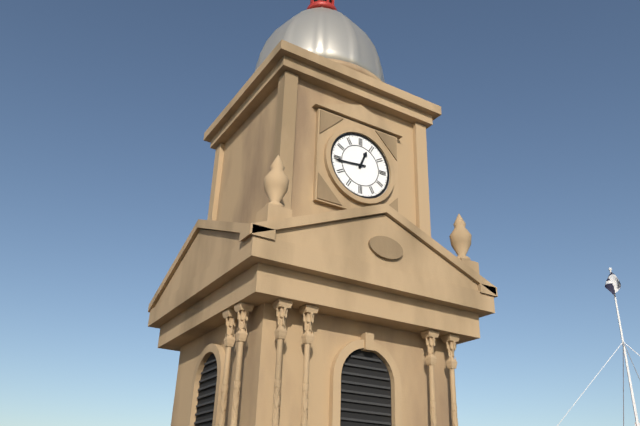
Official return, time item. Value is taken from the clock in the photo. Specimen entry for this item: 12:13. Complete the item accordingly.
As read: 12:44
